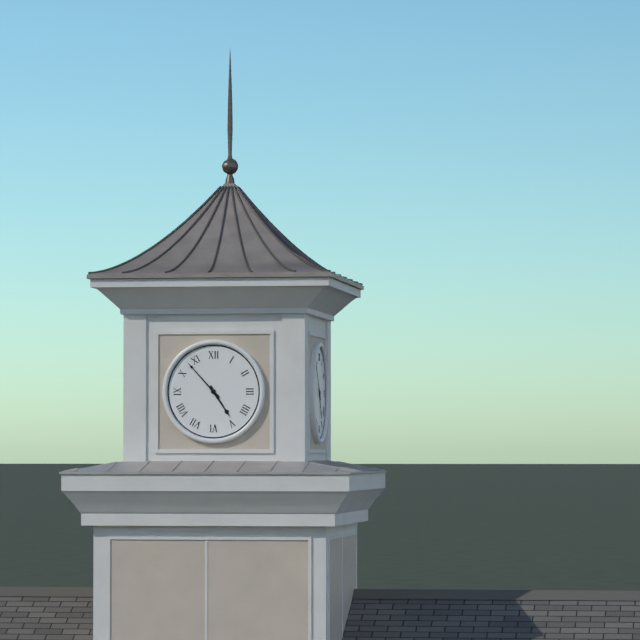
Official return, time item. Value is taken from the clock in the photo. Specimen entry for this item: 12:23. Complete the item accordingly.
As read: 4:53
